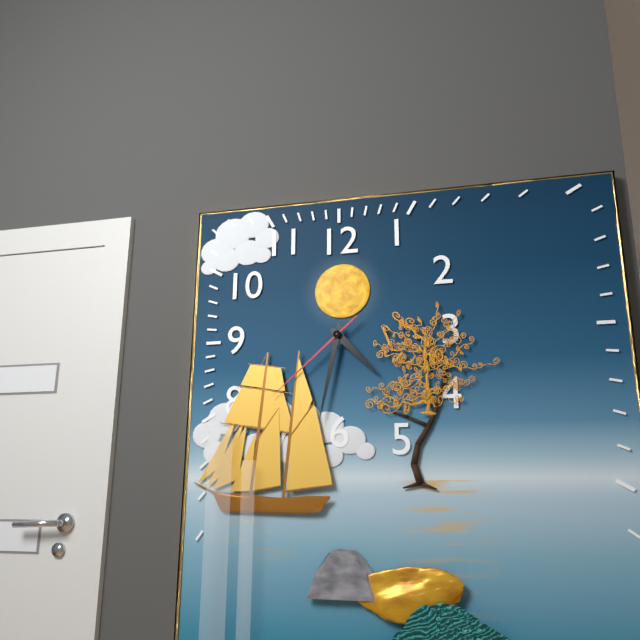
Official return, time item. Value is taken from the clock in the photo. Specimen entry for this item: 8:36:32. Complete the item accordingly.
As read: 4:32:38
